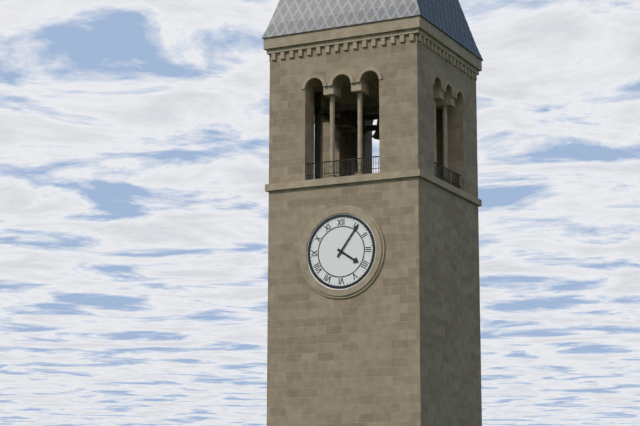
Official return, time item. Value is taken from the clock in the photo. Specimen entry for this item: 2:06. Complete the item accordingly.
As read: 4:06
